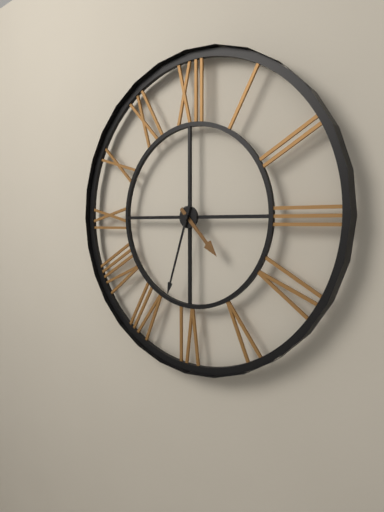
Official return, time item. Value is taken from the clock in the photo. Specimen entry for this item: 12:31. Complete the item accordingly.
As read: 4:33
